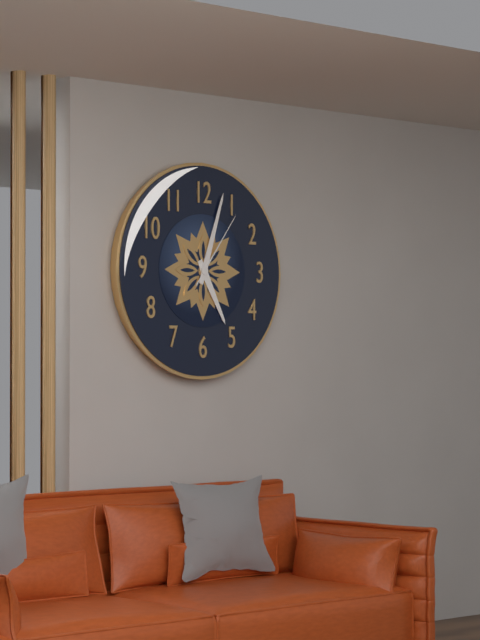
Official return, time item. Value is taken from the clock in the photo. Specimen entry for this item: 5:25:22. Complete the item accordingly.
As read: 5:03:06
